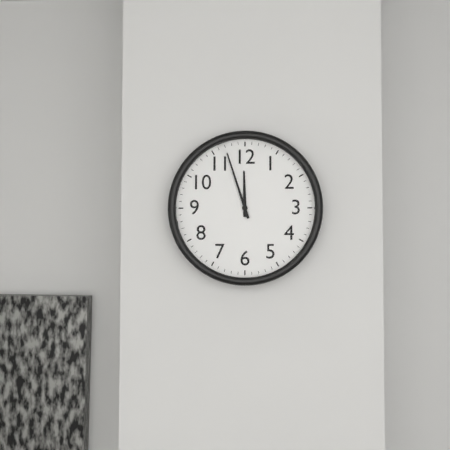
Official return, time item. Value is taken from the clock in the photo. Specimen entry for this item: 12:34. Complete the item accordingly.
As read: 11:57
